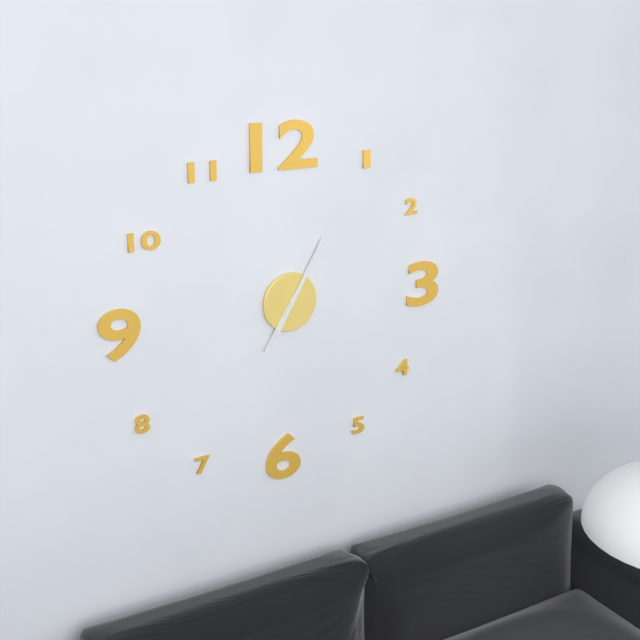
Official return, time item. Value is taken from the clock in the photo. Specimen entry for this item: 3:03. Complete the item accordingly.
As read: 7:05
